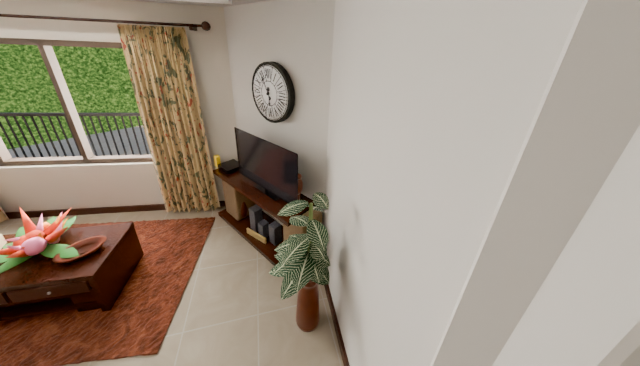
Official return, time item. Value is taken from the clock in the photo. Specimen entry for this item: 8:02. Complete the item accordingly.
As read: 5:55
